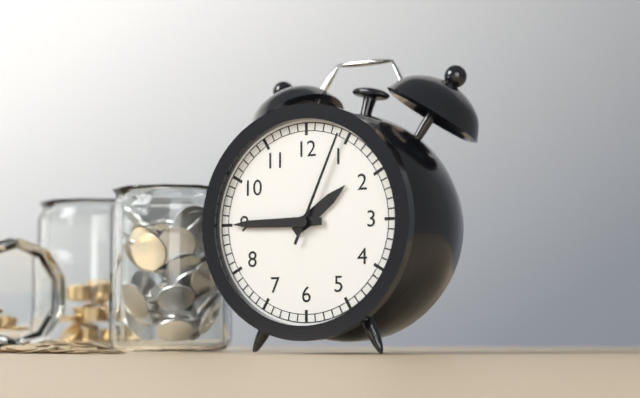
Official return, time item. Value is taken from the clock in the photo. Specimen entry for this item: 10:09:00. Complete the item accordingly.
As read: 1:45:04
